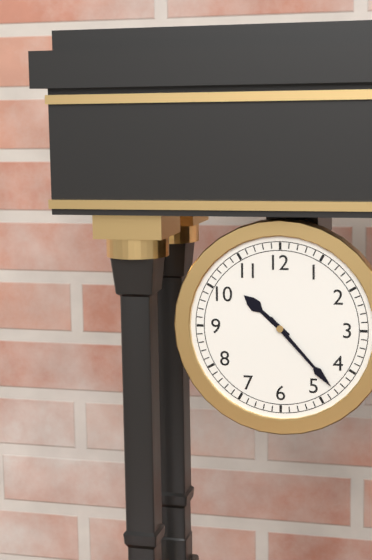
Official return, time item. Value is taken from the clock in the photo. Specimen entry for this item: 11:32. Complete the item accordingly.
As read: 10:23
